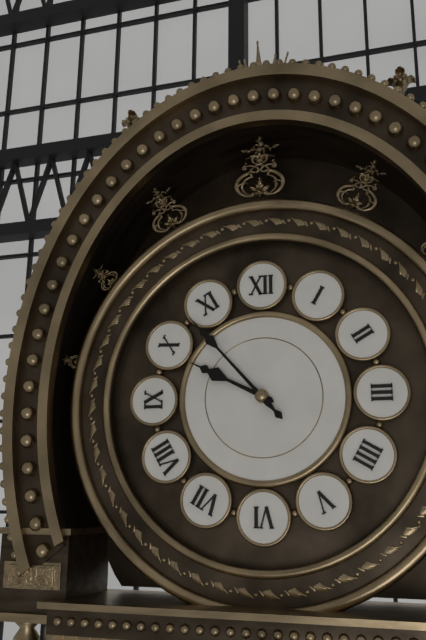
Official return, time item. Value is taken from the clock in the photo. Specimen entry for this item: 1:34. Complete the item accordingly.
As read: 9:53
